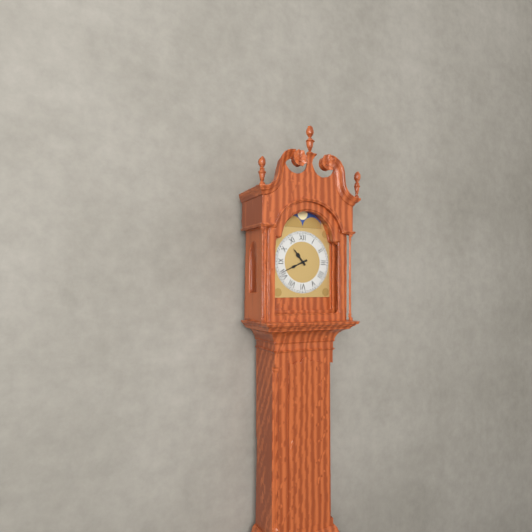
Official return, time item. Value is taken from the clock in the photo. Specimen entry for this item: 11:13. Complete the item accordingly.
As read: 10:41
